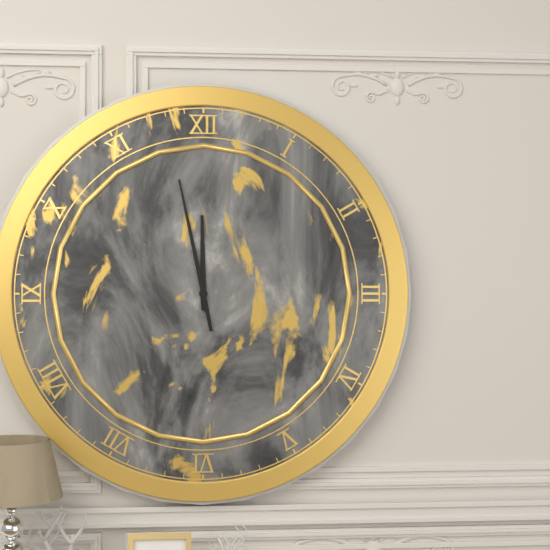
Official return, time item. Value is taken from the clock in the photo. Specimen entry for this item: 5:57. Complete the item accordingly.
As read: 11:58
